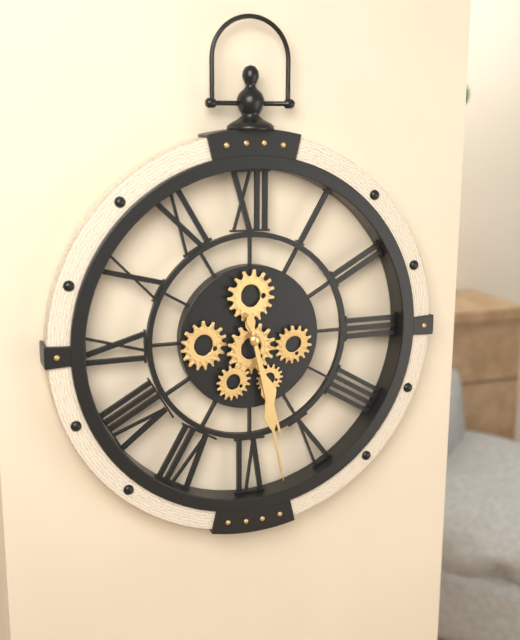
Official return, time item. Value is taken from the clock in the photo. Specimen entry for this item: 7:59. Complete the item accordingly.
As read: 5:28
